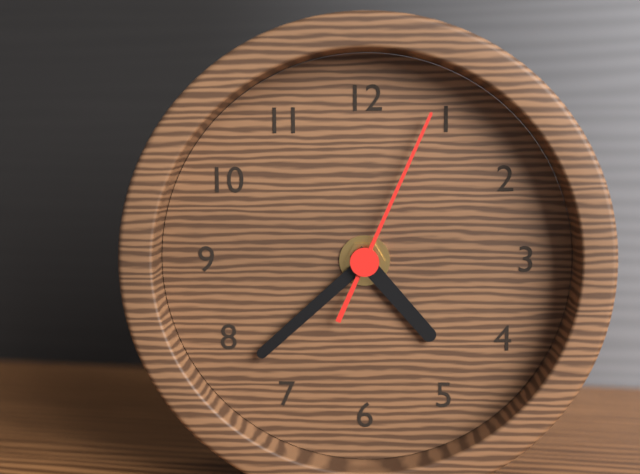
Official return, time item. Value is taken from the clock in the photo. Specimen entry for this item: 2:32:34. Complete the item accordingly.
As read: 4:38:04
